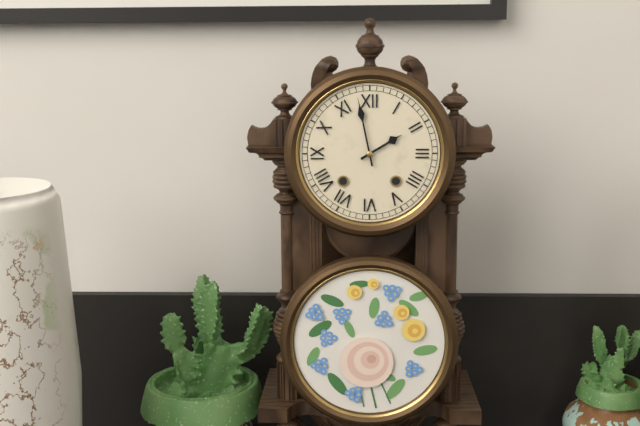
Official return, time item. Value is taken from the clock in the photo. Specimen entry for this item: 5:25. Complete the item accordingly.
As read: 1:58
